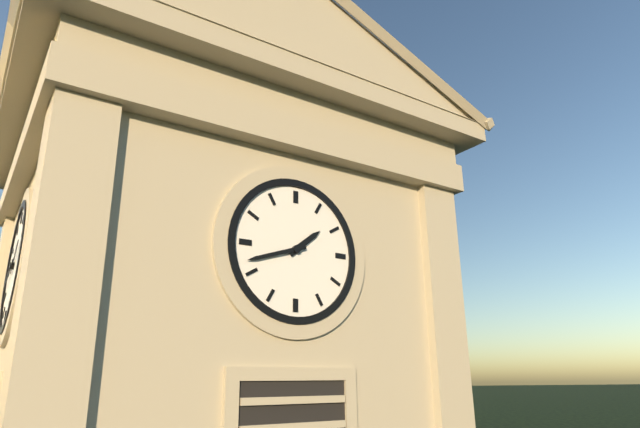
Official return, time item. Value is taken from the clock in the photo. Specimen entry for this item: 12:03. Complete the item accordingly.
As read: 1:42
